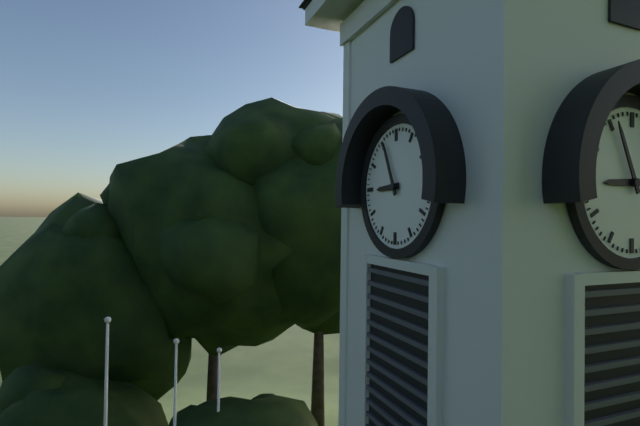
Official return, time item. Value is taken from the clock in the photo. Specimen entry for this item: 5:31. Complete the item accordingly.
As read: 8:56
